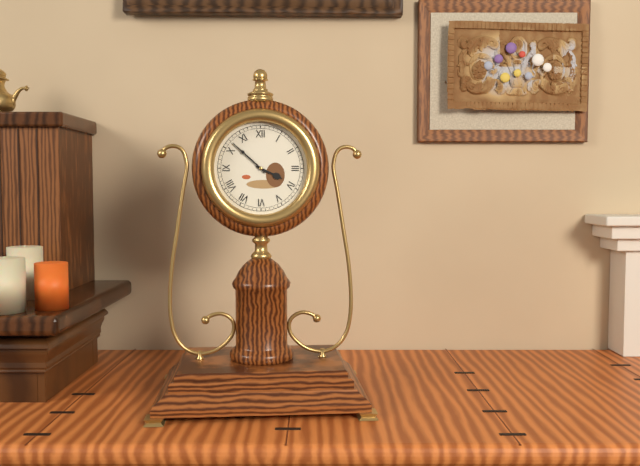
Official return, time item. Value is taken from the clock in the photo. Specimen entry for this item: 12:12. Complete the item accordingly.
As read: 3:52
